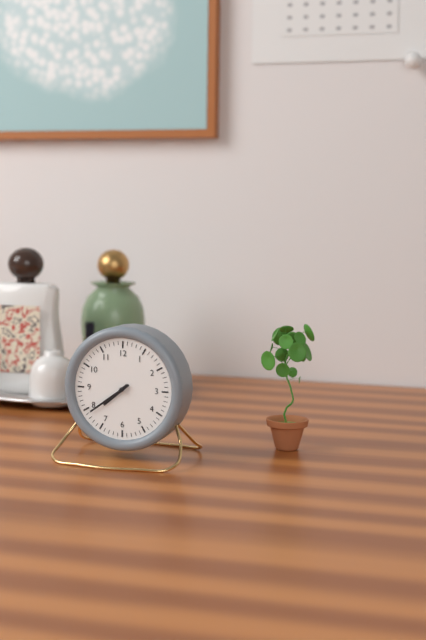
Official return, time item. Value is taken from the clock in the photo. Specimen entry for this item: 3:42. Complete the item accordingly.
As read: 7:39
